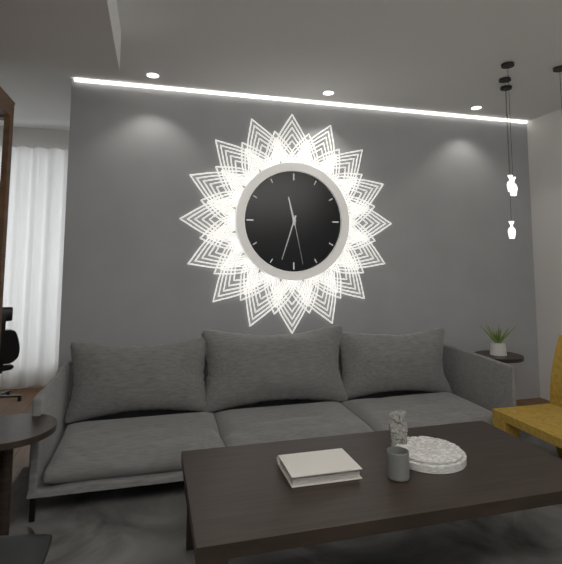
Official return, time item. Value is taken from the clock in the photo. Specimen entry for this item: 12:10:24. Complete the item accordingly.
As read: 11:33:28
